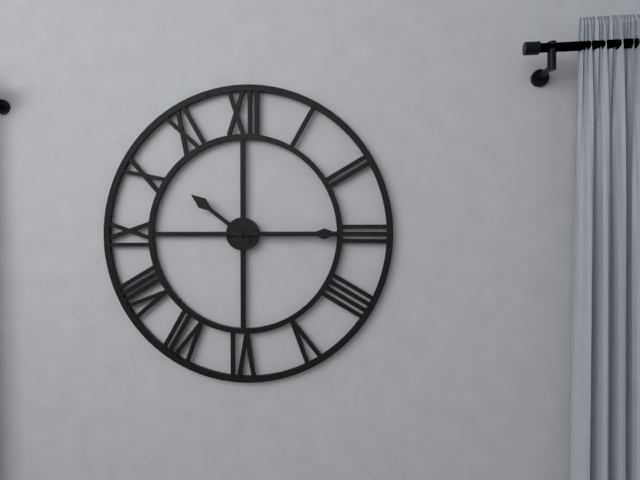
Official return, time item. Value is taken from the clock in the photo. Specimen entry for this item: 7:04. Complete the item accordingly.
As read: 10:15
